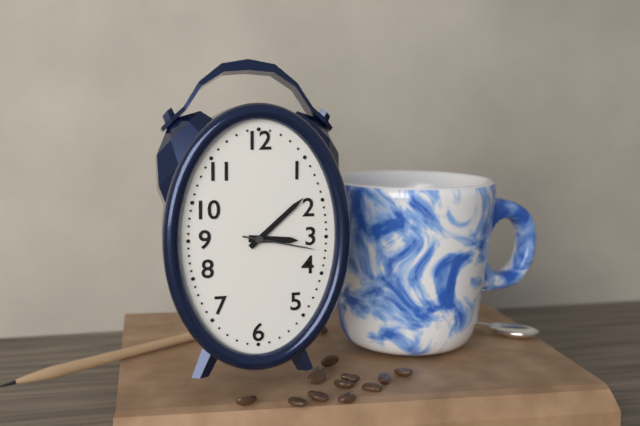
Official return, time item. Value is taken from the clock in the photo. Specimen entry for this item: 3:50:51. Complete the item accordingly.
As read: 3:08:17
